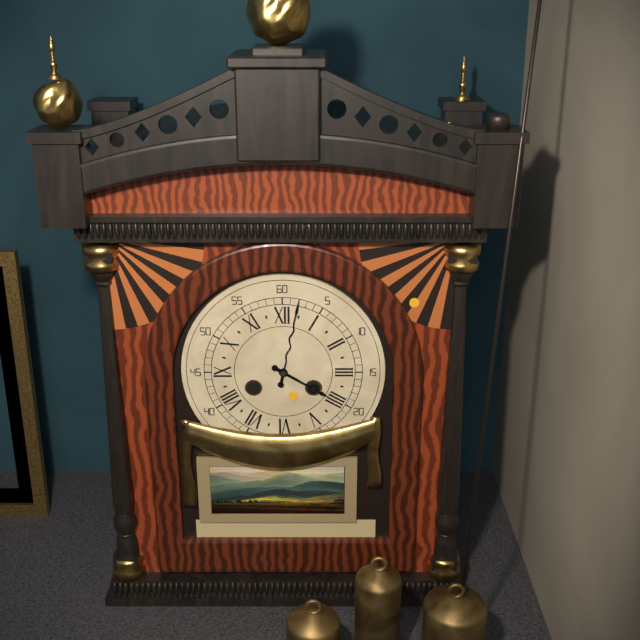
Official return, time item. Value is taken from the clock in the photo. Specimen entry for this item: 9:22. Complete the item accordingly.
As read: 4:02
